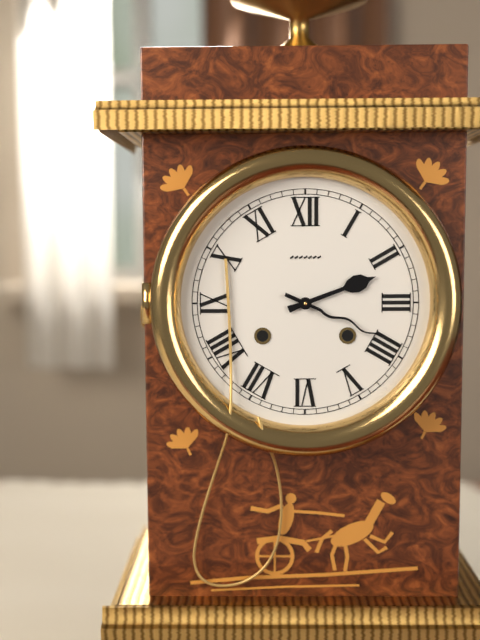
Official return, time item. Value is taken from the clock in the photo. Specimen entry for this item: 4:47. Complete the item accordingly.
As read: 2:19
